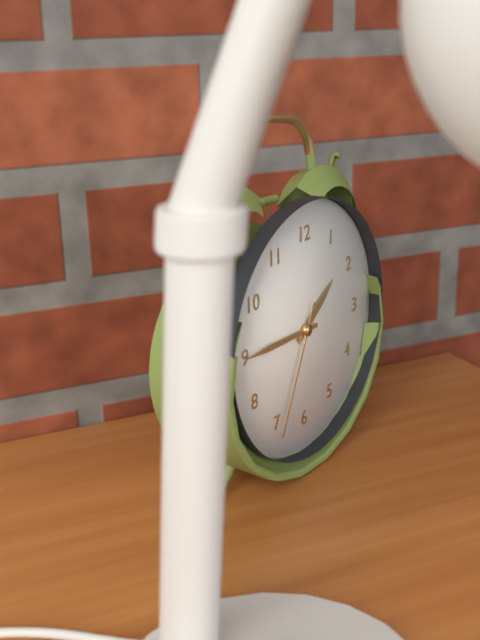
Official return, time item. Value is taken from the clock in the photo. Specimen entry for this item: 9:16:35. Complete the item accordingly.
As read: 1:45:34
